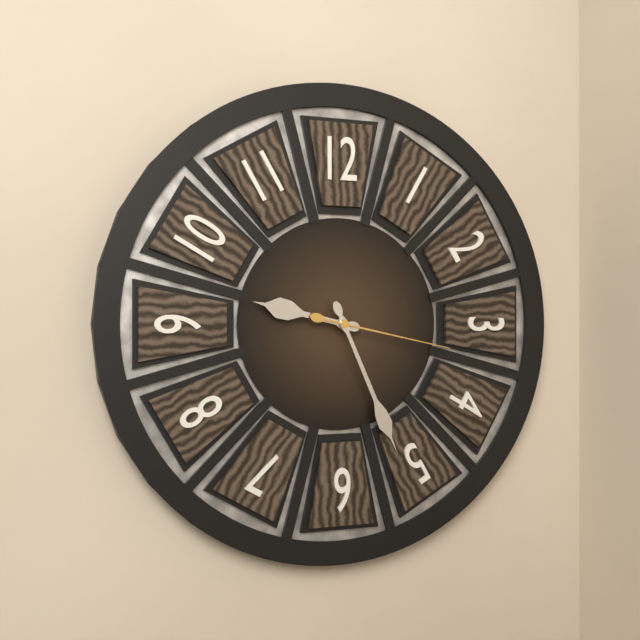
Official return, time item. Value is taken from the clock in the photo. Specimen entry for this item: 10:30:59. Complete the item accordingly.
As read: 9:26:17
